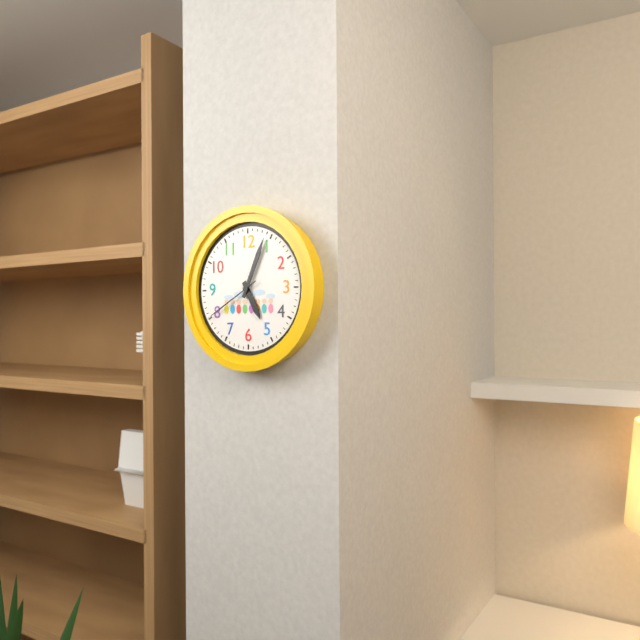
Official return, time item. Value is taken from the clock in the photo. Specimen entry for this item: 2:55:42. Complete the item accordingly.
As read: 5:04:40
